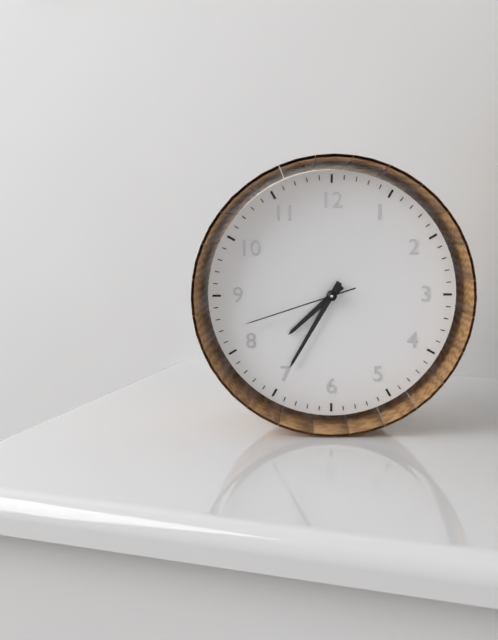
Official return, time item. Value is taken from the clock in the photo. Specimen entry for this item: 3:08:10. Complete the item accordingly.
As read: 7:35:42
